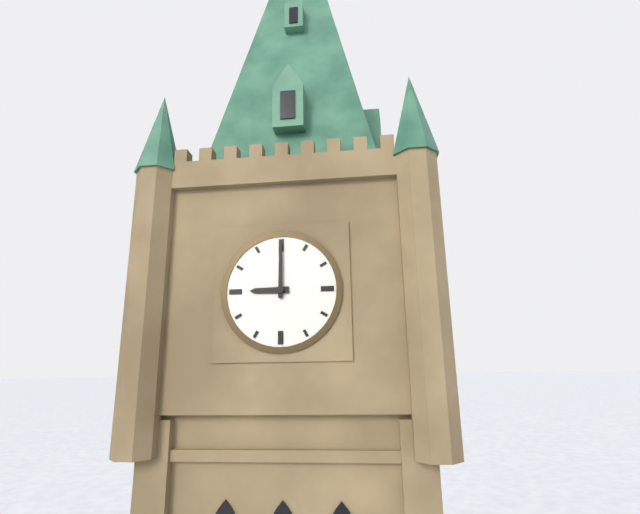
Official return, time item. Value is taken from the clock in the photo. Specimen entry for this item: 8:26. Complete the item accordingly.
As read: 9:00
